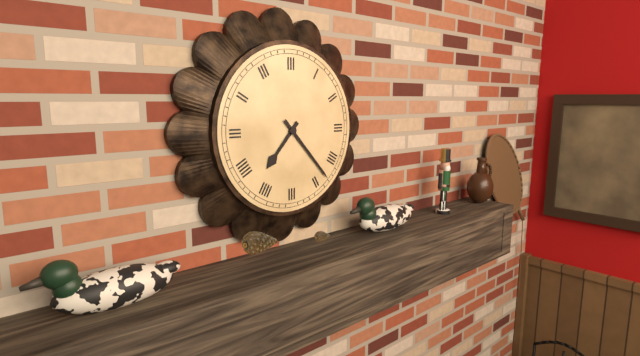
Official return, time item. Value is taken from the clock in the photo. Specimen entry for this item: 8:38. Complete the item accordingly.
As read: 7:23
